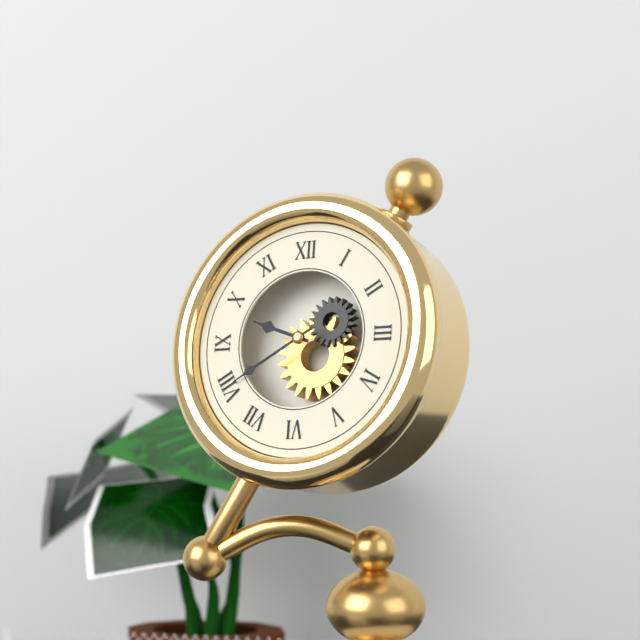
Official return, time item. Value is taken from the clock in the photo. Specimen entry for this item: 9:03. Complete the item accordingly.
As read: 9:40
